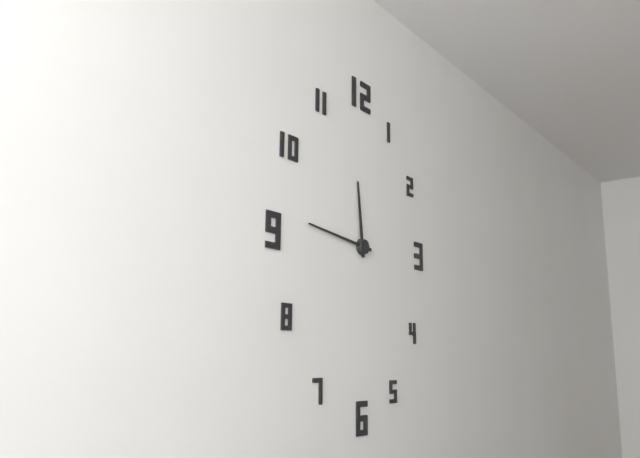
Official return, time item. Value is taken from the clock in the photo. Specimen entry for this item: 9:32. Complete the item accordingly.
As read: 11:46
